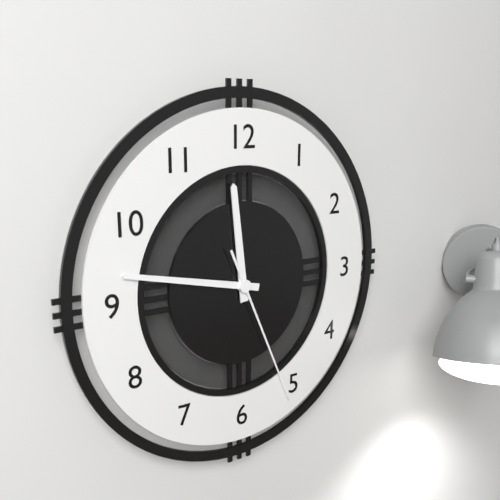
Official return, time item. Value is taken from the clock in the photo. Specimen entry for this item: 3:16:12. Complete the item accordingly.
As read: 11:47:26
